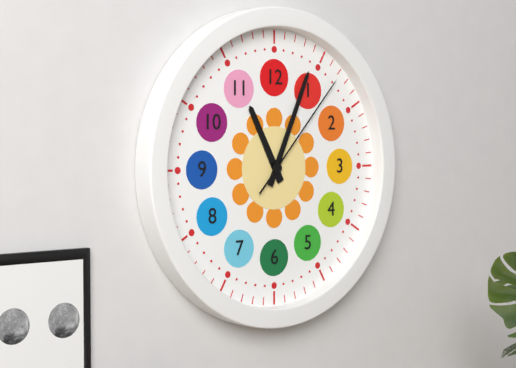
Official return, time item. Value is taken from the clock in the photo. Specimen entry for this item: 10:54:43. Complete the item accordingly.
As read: 11:04:07
